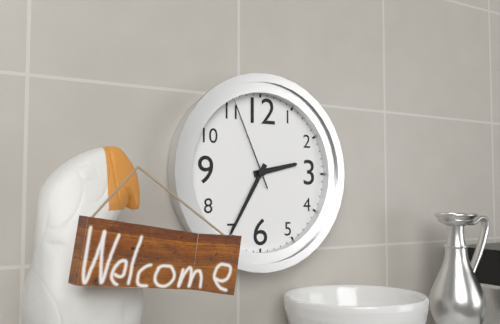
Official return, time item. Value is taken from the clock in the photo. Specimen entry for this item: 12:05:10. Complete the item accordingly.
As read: 2:35:56
